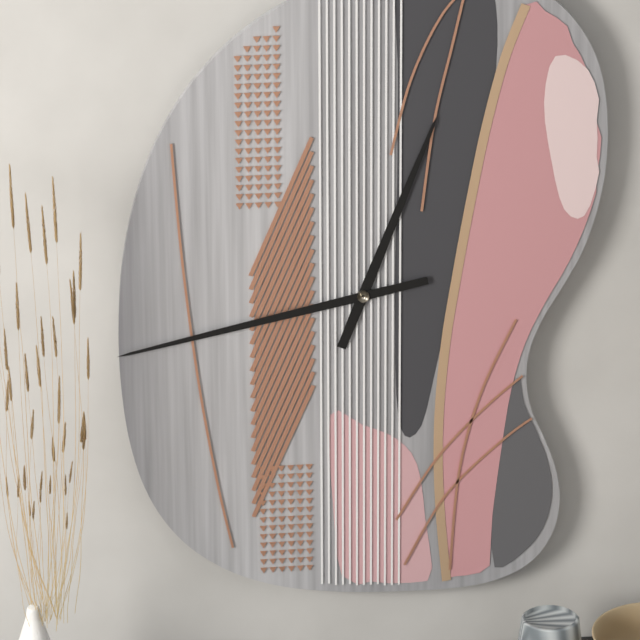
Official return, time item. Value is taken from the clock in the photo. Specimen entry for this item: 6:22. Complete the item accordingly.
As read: 12:43
